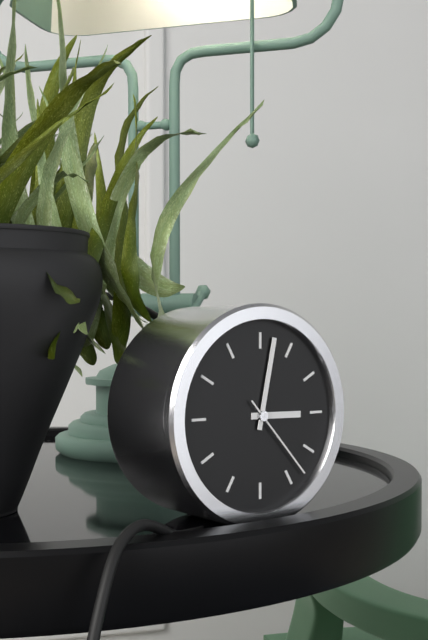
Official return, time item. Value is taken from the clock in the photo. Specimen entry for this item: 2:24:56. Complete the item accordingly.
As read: 3:02:23
